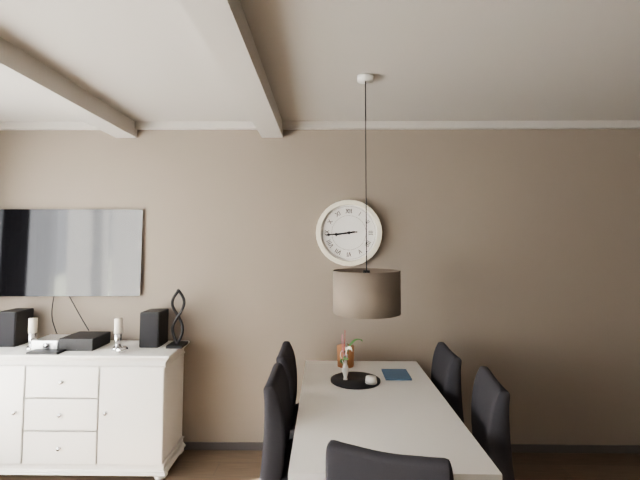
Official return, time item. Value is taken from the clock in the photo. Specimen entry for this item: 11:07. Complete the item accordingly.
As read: 8:44
